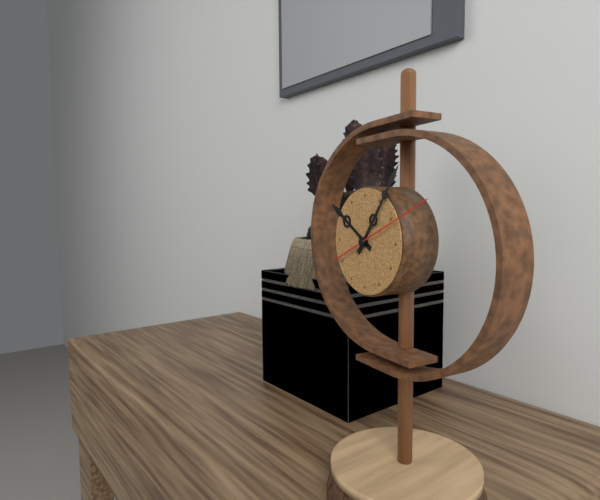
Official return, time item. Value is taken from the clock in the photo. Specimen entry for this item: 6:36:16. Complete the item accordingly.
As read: 10:06:11
